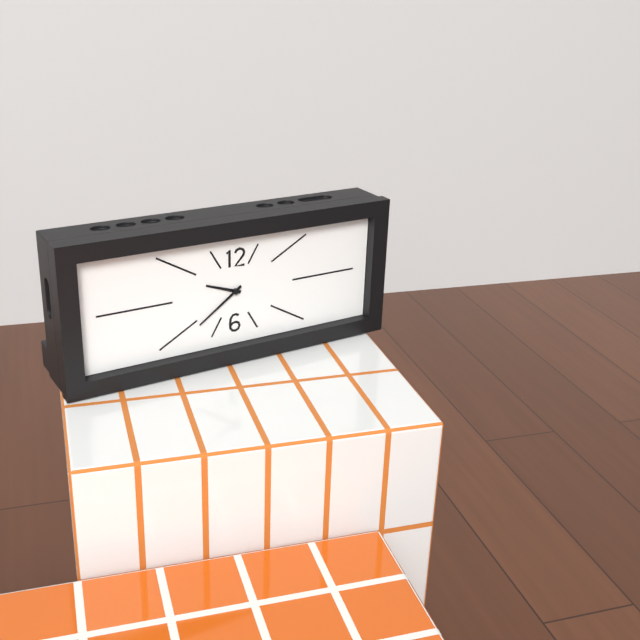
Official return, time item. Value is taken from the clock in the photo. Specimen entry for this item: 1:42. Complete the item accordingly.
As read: 9:39
